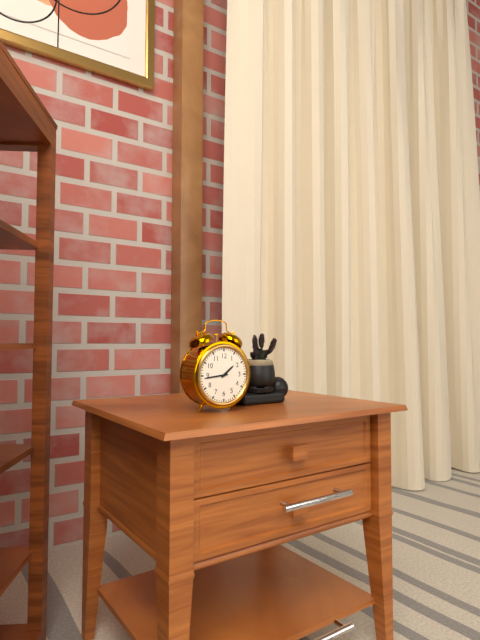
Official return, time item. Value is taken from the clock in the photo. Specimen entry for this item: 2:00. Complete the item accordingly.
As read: 1:44
